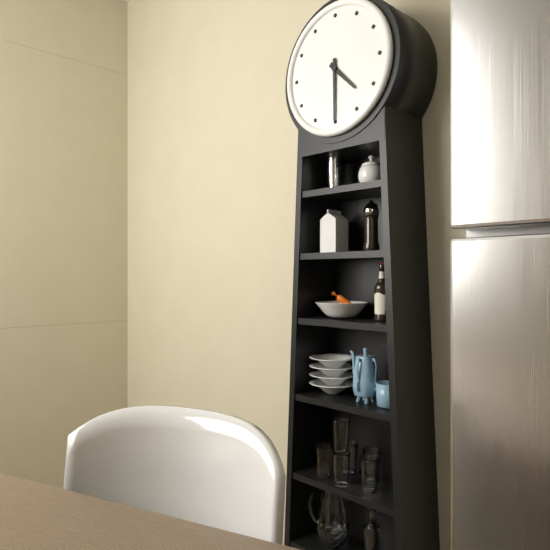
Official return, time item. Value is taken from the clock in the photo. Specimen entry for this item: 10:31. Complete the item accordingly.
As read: 4:30
